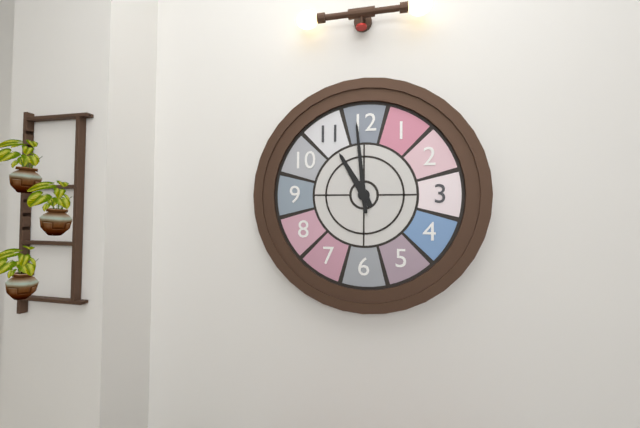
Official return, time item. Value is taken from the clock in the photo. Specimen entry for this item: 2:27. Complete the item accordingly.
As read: 10:59
